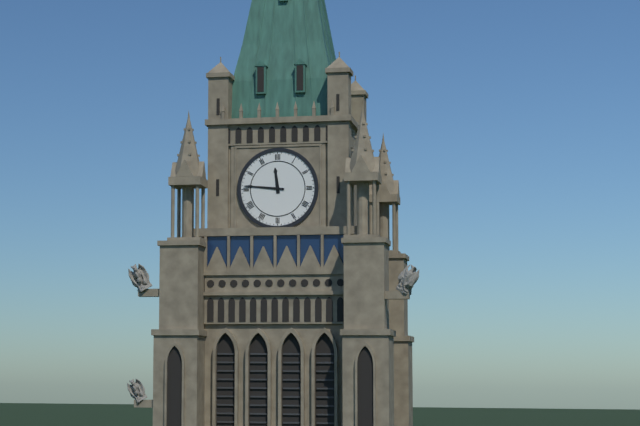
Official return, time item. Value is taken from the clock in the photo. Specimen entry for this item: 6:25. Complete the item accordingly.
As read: 11:46
